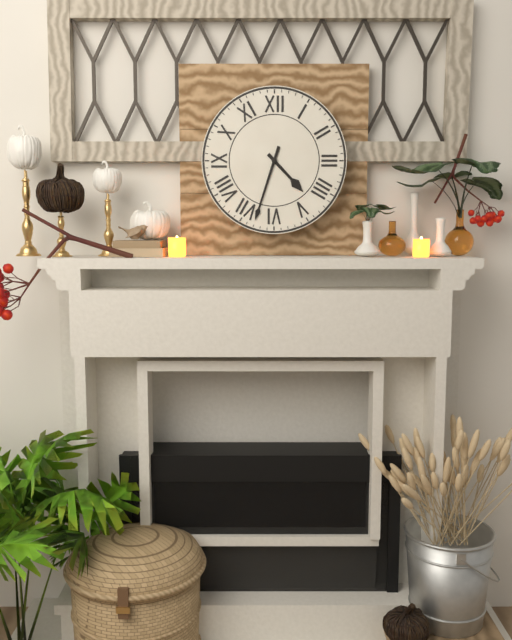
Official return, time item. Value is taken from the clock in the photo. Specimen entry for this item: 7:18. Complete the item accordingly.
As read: 4:33
